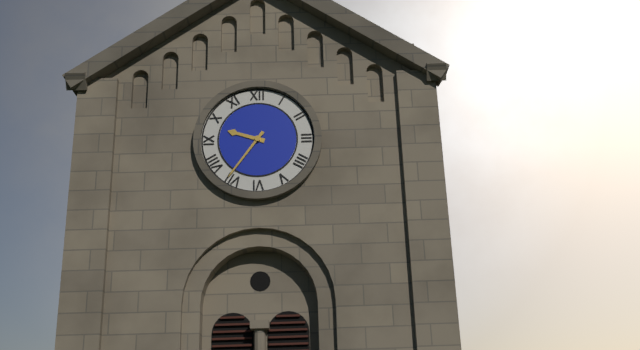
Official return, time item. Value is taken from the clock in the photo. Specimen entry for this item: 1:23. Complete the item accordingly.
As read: 9:36
